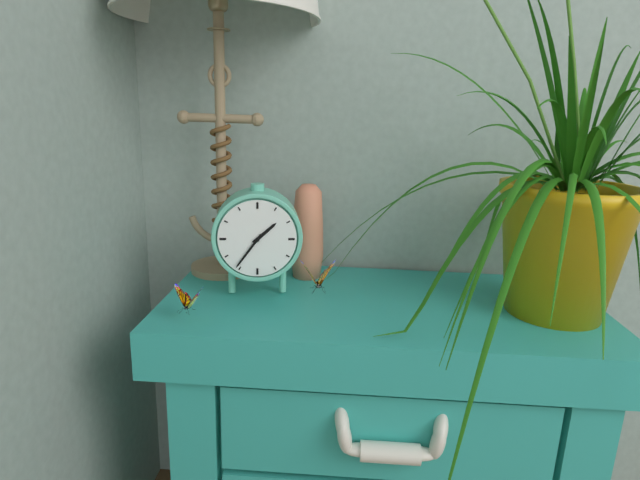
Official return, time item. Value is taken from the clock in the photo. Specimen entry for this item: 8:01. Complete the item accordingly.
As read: 1:36
